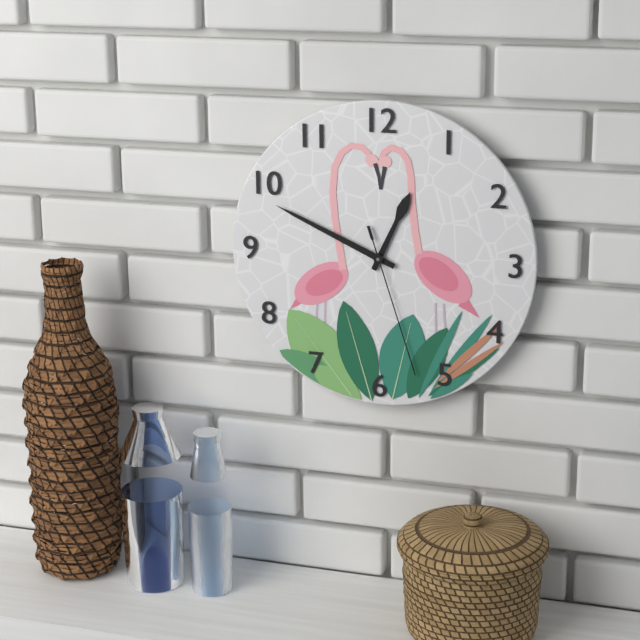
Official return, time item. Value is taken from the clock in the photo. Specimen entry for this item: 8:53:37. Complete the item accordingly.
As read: 12:49:27
